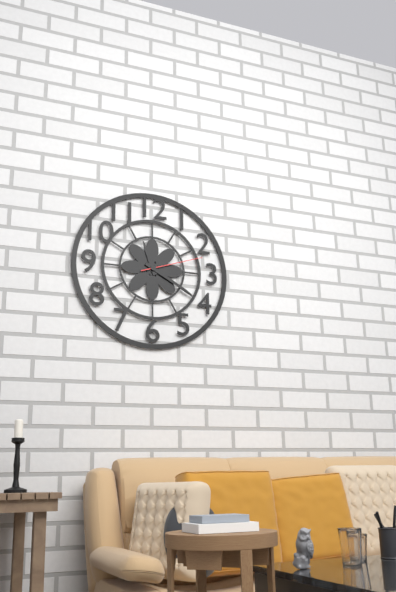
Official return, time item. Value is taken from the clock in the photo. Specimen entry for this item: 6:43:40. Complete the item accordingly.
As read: 11:20:12
